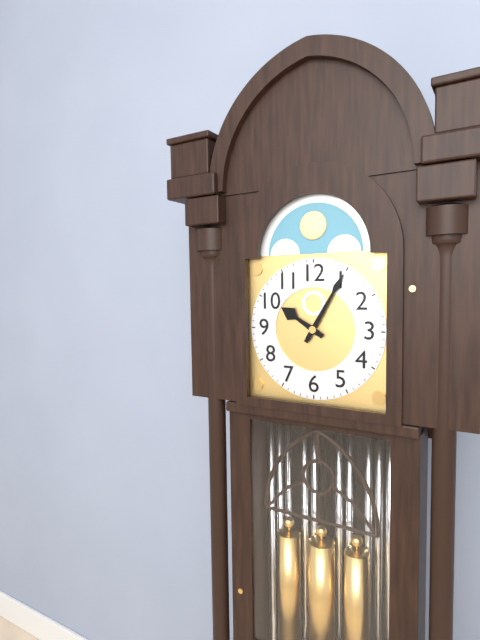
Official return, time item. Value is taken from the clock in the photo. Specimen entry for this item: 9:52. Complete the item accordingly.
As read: 10:05
